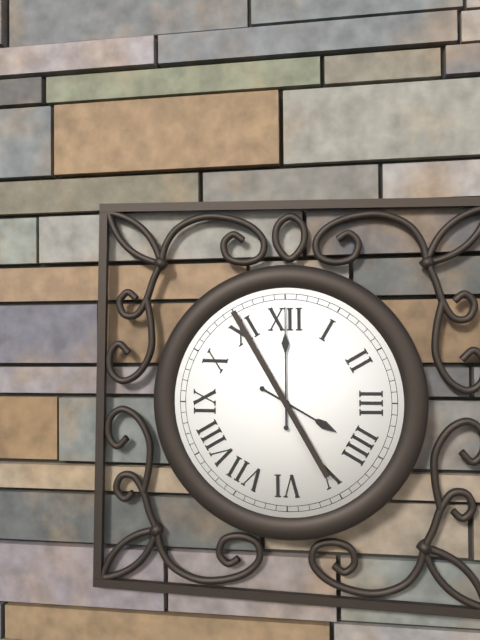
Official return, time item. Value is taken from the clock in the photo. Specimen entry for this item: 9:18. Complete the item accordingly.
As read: 4:00
